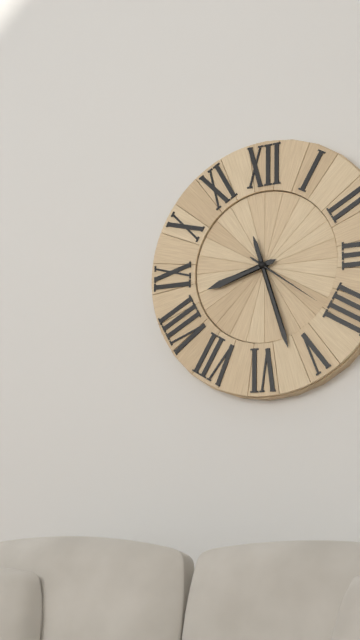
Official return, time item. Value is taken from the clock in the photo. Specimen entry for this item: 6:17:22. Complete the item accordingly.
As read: 8:27:21
